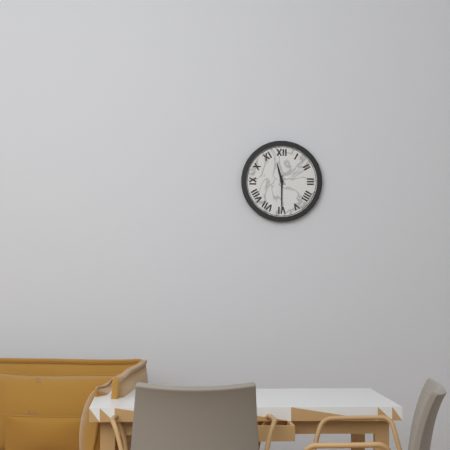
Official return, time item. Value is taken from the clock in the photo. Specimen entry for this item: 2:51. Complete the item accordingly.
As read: 11:30
